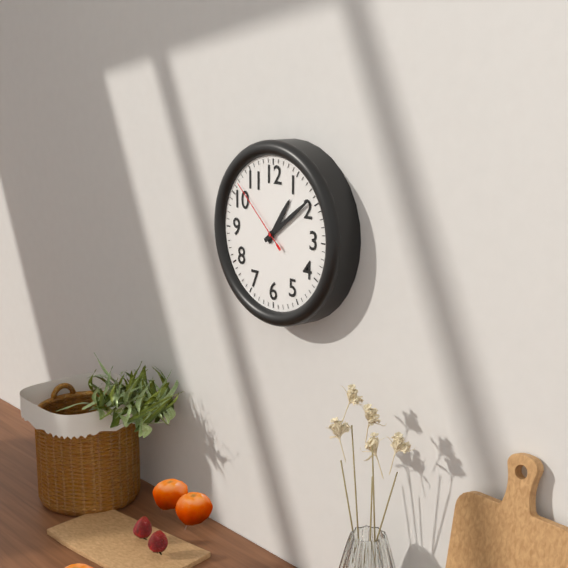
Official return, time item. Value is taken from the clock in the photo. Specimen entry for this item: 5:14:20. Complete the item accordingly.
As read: 1:09:52
